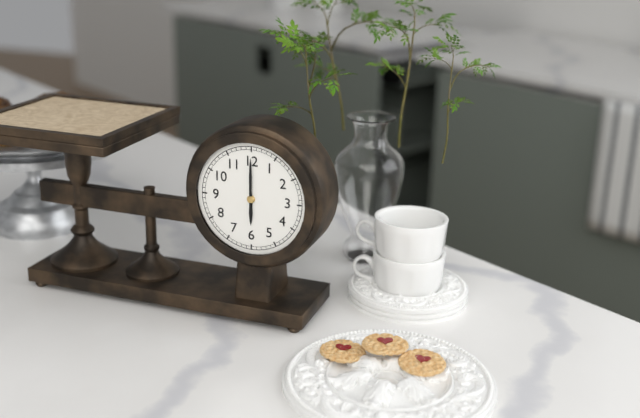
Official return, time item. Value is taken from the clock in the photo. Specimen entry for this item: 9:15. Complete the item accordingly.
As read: 6:00
